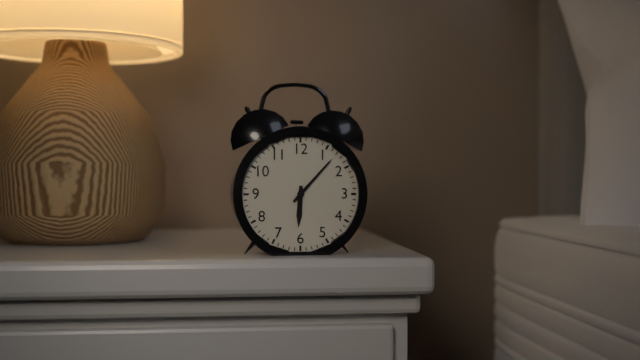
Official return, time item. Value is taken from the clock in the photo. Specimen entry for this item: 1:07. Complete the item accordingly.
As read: 6:07
